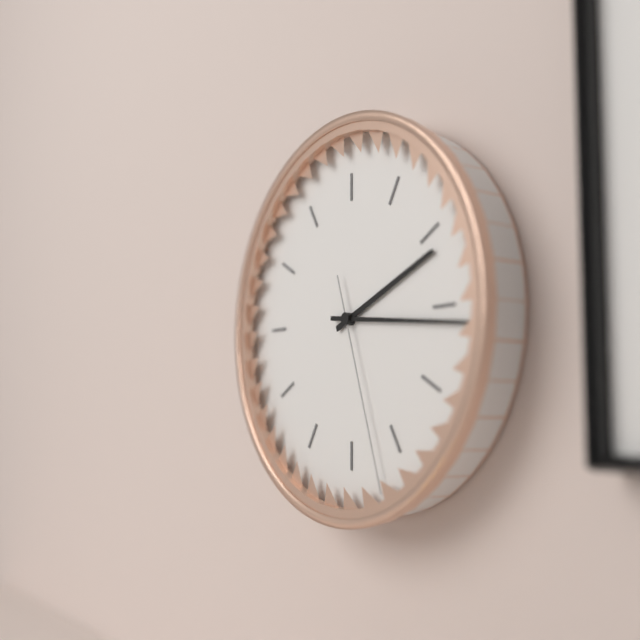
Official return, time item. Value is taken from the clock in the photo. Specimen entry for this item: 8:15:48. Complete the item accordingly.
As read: 2:16:27
